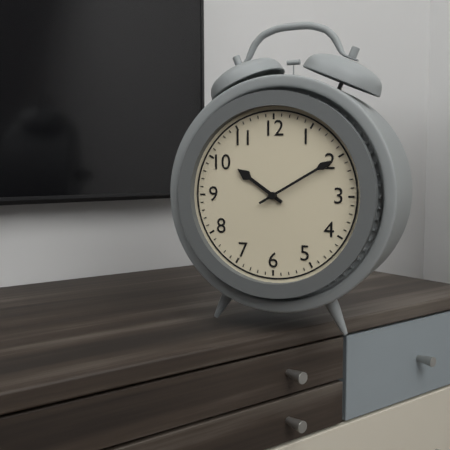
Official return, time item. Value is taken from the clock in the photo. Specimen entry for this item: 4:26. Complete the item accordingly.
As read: 10:10
